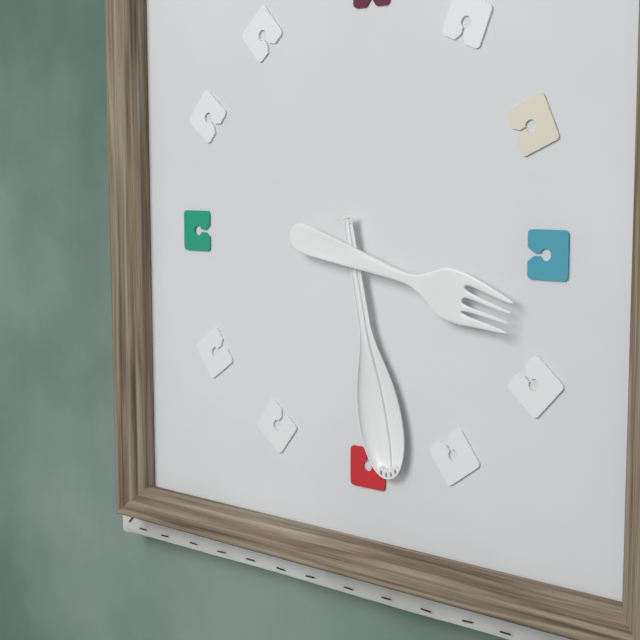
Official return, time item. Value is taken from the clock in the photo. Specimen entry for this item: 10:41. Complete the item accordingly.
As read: 3:28
